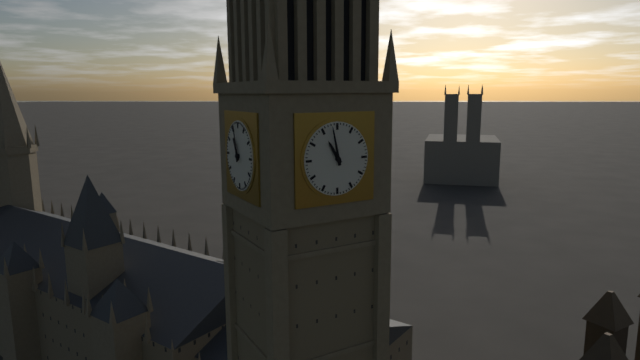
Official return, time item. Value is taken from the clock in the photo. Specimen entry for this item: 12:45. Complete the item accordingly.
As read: 10:58
